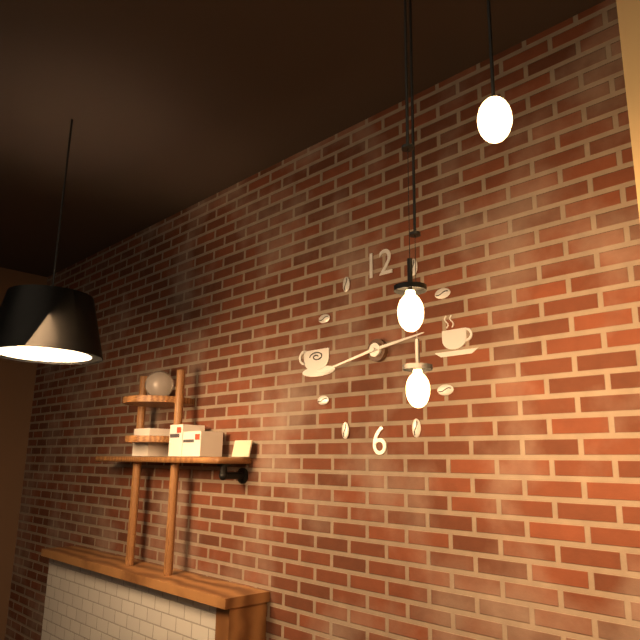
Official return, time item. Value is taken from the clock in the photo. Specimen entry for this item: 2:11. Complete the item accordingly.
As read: 2:43
